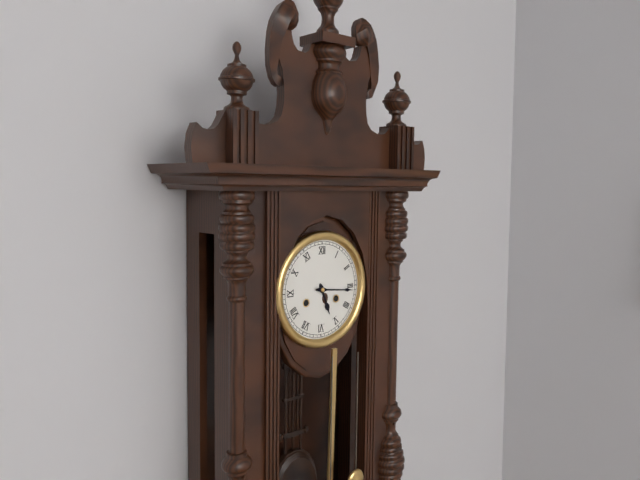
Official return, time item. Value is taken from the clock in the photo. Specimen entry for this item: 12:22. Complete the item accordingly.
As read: 5:16
